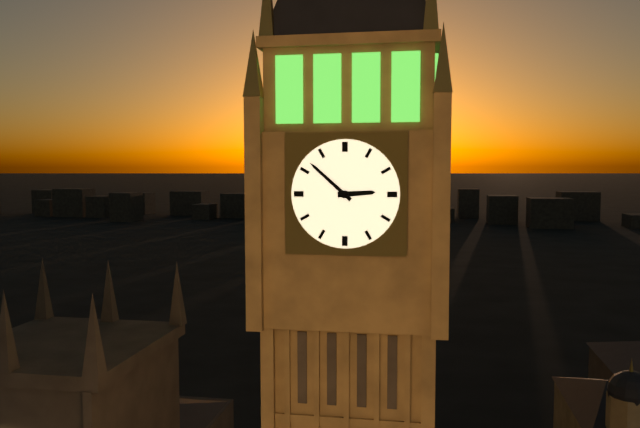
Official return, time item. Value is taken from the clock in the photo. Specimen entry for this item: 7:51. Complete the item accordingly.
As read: 2:52
